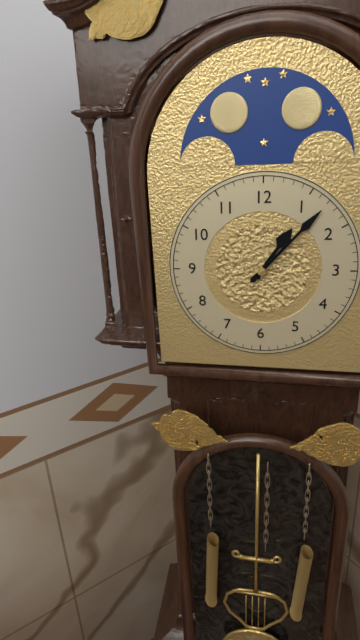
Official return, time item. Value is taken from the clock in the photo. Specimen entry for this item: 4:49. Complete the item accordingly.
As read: 1:07
